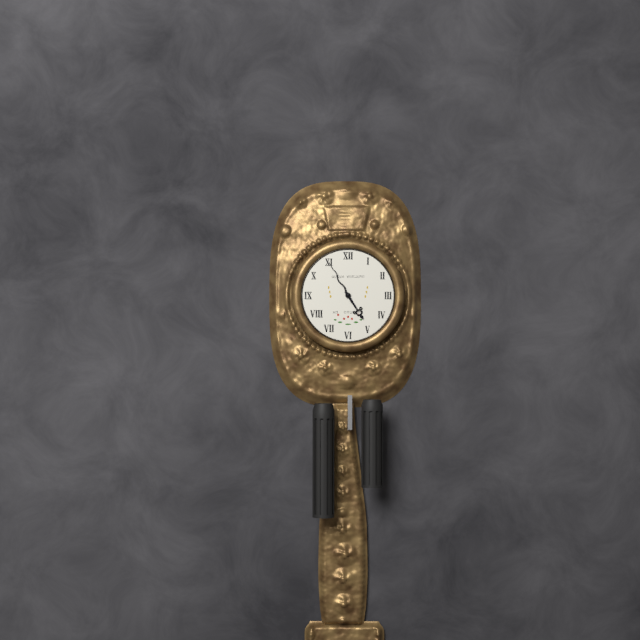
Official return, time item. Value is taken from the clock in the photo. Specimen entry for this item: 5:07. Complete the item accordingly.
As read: 4:55
